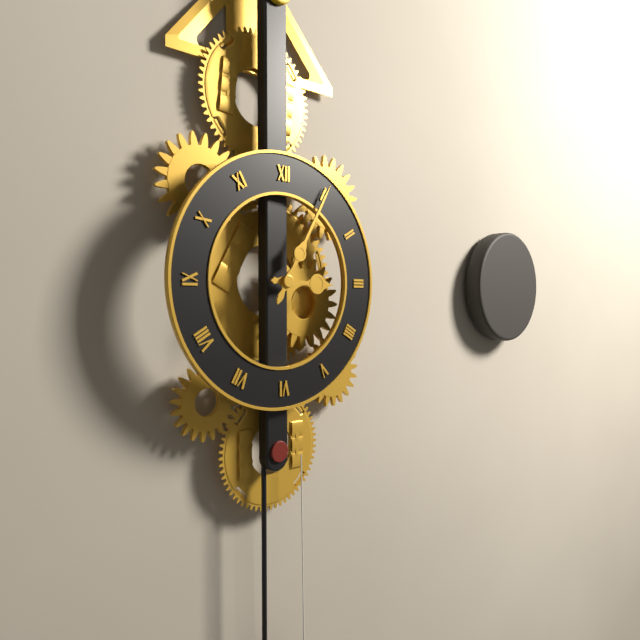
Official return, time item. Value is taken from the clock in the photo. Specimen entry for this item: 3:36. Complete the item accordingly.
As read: 3:05
